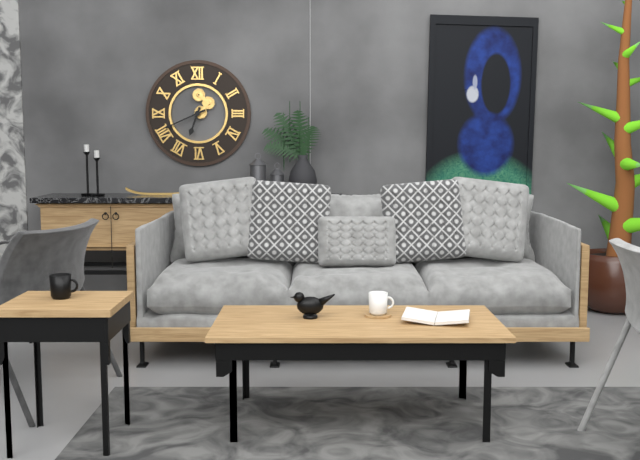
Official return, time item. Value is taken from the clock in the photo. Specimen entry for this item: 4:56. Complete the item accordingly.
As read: 6:41
